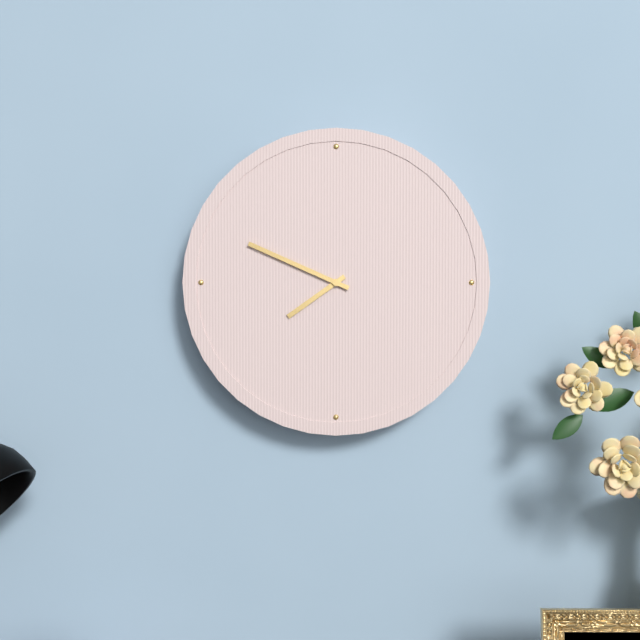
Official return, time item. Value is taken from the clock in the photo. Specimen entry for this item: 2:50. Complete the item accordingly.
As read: 7:49
